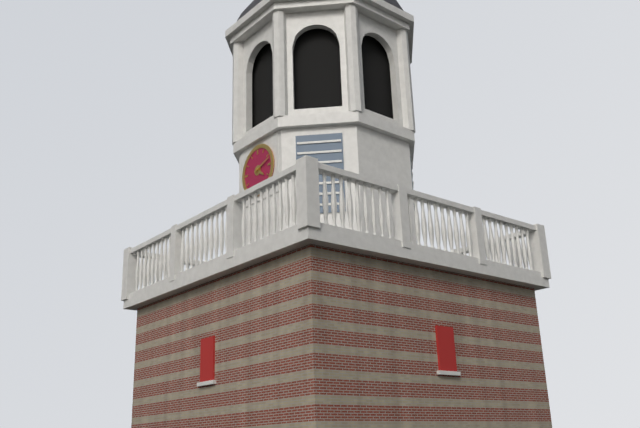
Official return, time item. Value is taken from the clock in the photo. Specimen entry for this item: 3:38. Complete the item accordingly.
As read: 4:12
